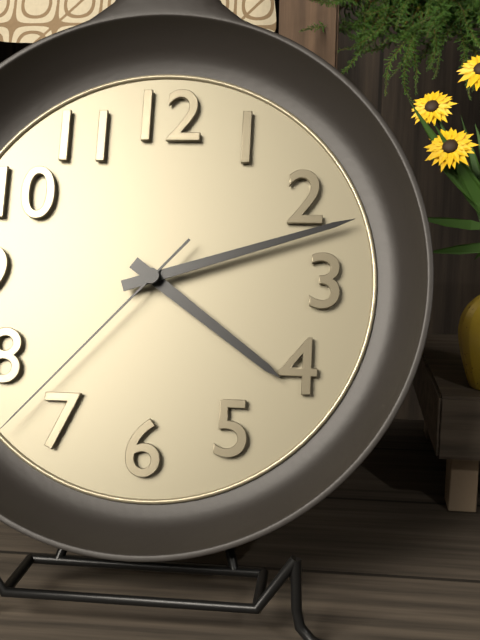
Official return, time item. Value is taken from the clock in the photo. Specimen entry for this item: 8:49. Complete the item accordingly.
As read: 4:12
